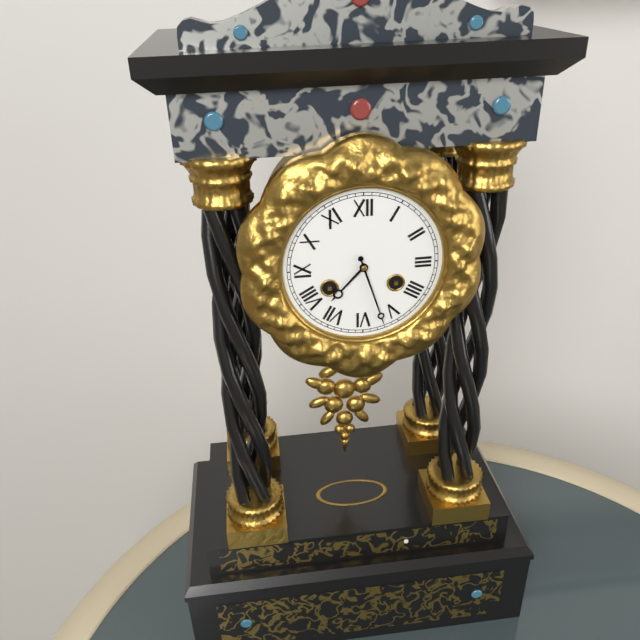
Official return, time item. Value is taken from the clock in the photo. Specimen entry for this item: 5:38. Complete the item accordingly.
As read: 7:27
